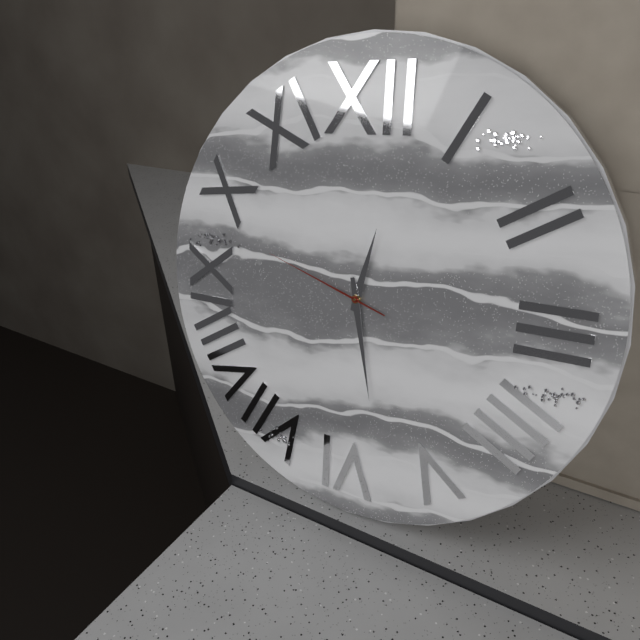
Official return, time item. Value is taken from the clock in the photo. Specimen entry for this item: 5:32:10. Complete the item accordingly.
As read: 12:28:48
